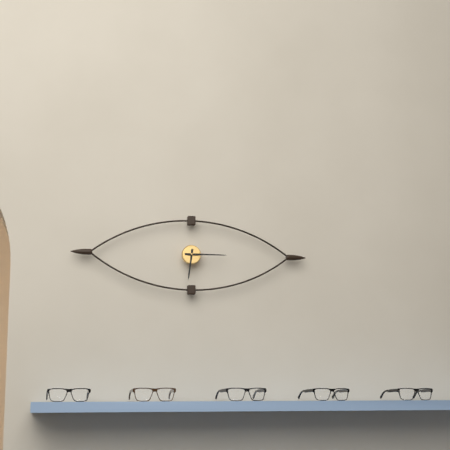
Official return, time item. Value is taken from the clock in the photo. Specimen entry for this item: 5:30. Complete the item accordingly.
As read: 6:15
